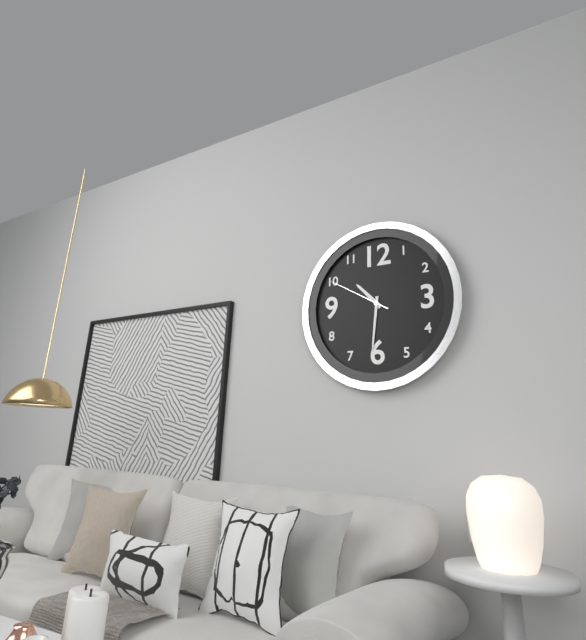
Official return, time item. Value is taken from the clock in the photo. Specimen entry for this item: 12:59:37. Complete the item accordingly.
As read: 10:31:50
